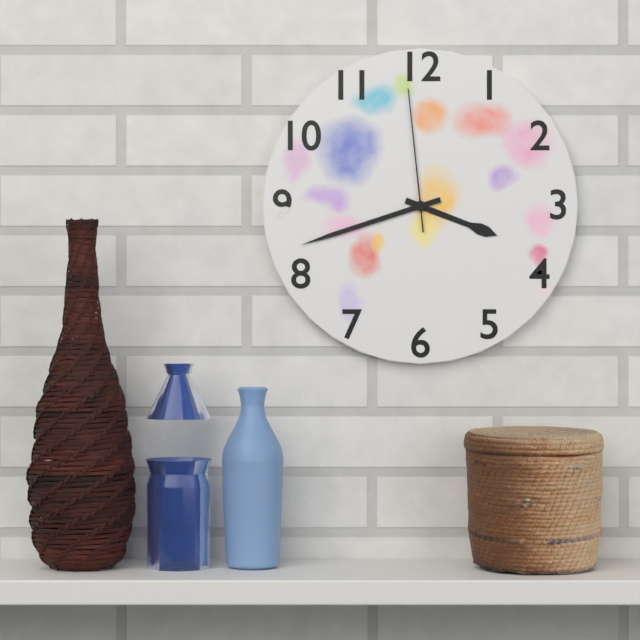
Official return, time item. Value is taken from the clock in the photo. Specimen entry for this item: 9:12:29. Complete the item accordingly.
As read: 3:42:59
